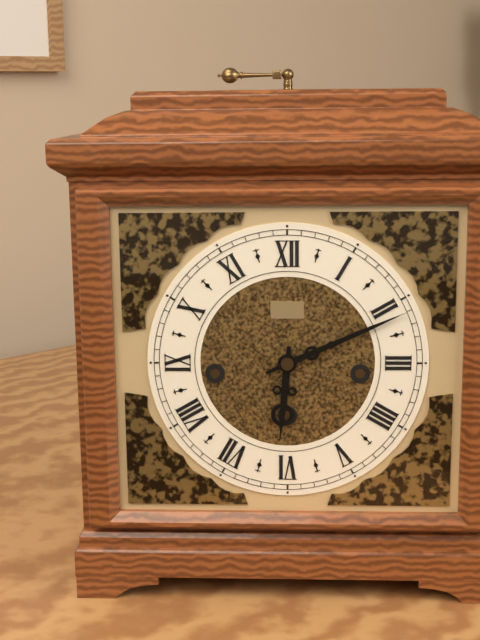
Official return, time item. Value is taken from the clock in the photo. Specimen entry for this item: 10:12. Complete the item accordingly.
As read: 6:11
